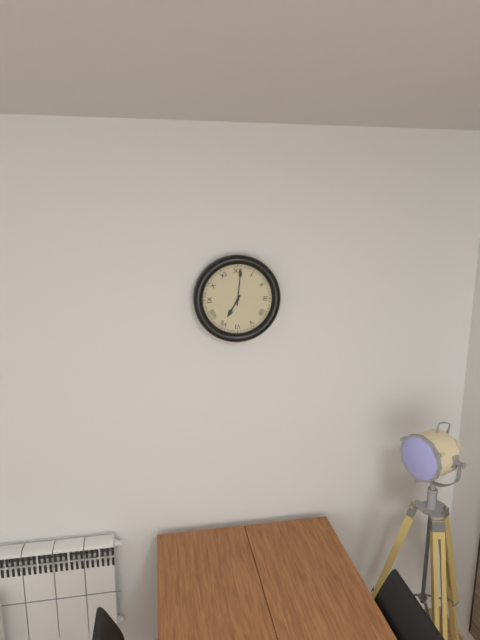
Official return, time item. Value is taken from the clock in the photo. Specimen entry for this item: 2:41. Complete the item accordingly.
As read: 7:01
